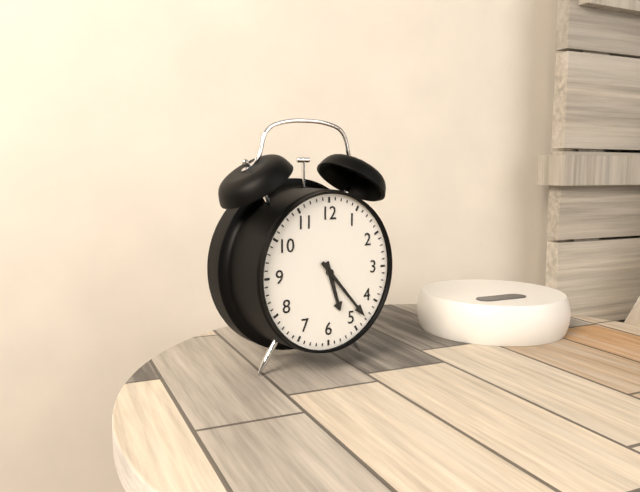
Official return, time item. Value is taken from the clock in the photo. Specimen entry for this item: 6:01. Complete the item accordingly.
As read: 5:23
